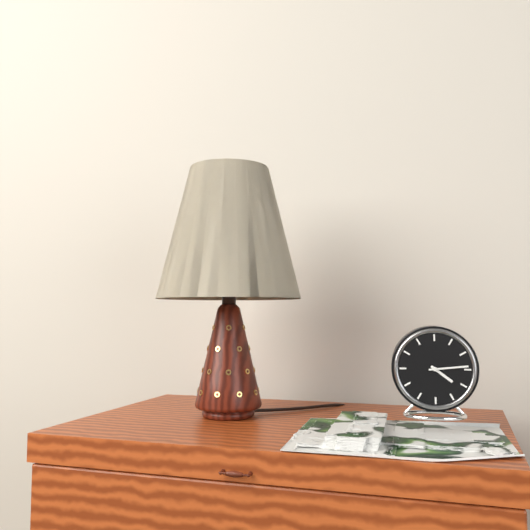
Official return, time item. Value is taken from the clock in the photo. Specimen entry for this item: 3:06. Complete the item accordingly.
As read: 4:14
